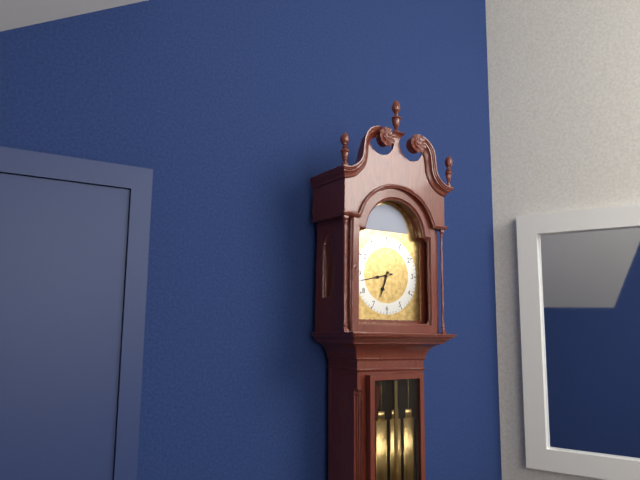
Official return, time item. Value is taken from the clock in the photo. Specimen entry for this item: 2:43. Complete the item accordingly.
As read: 6:43
